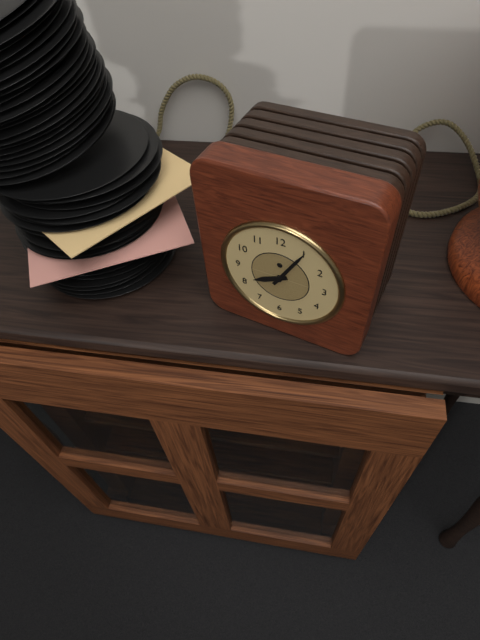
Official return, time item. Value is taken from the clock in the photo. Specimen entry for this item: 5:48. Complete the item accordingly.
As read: 8:05
